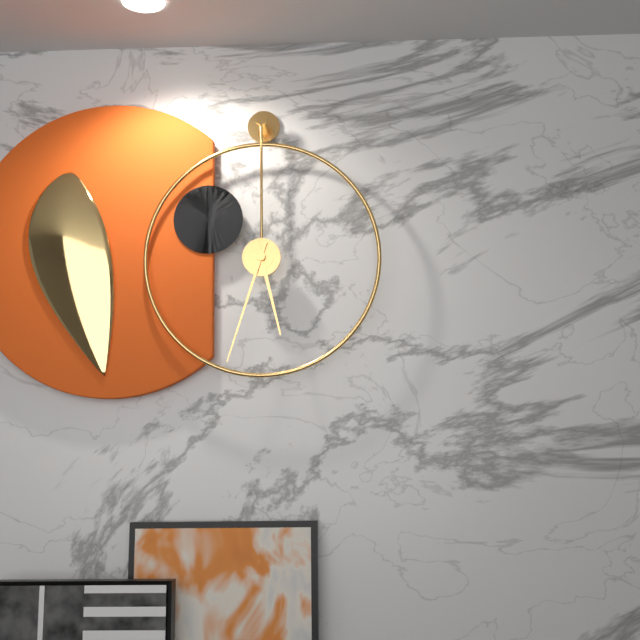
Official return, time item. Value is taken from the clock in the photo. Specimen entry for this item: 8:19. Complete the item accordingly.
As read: 5:33
